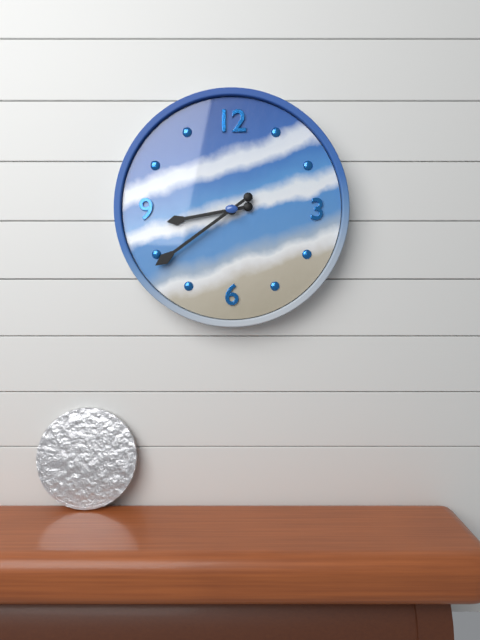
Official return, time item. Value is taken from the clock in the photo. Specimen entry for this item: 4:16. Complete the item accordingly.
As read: 8:39
